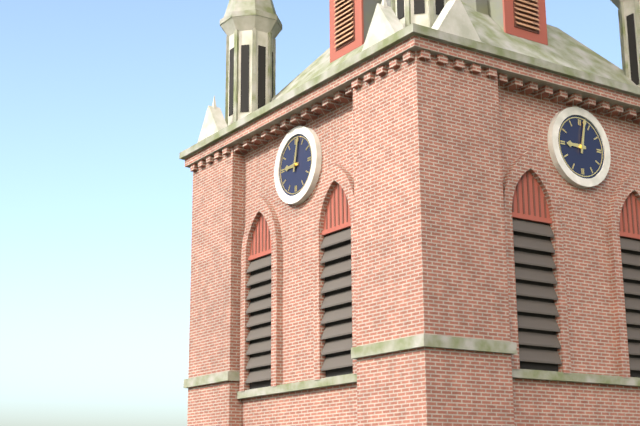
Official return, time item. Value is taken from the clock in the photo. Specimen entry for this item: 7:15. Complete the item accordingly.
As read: 9:02
